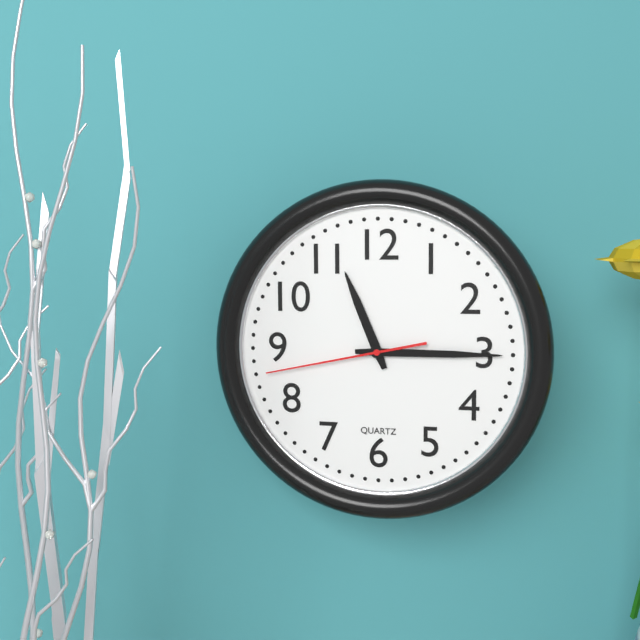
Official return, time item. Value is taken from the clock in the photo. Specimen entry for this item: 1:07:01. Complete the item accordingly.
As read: 11:15:43
